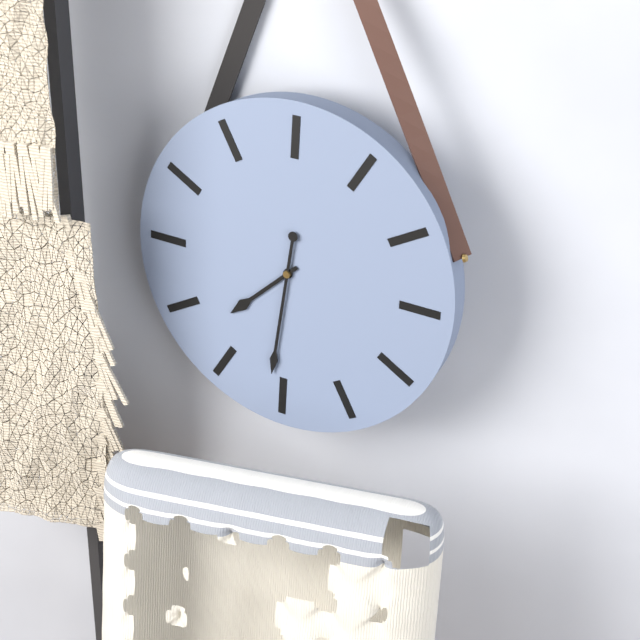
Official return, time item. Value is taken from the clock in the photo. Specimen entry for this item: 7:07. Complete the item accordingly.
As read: 7:31
